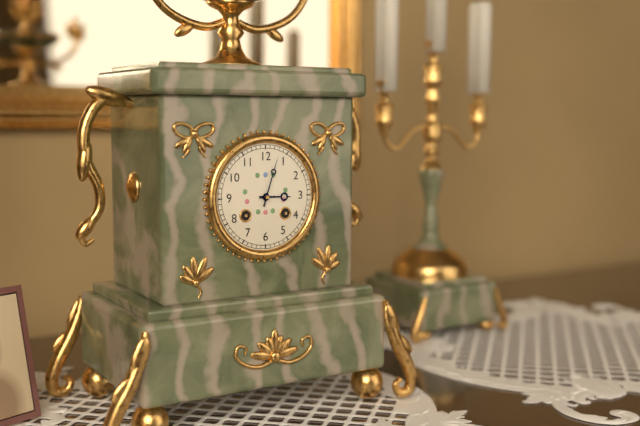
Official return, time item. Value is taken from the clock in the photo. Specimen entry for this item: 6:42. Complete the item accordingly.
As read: 3:03
